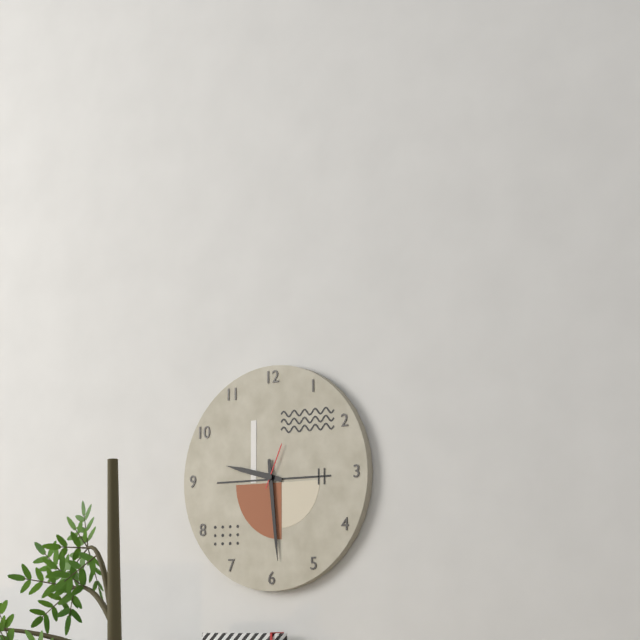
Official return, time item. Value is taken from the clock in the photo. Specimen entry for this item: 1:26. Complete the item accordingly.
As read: 9:29
